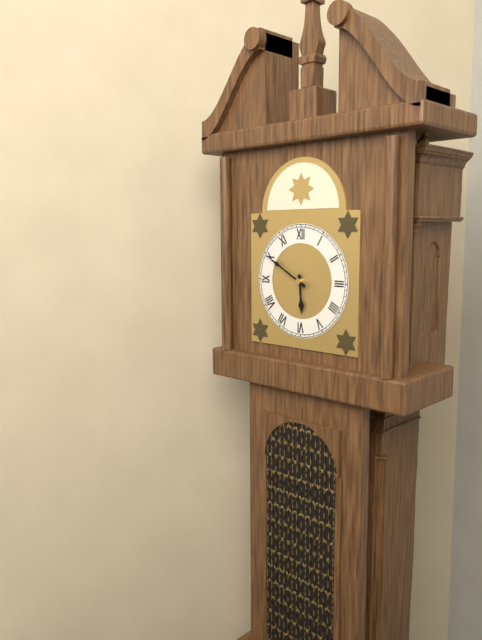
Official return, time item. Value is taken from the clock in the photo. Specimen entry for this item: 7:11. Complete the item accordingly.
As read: 5:50
